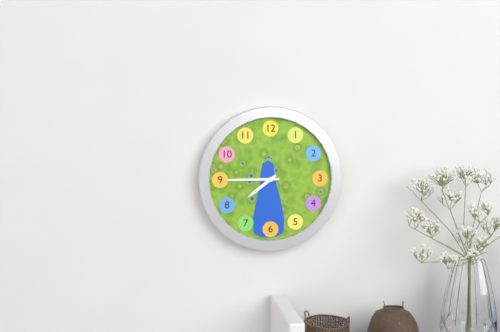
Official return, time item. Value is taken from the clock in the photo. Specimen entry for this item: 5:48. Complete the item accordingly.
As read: 7:45
